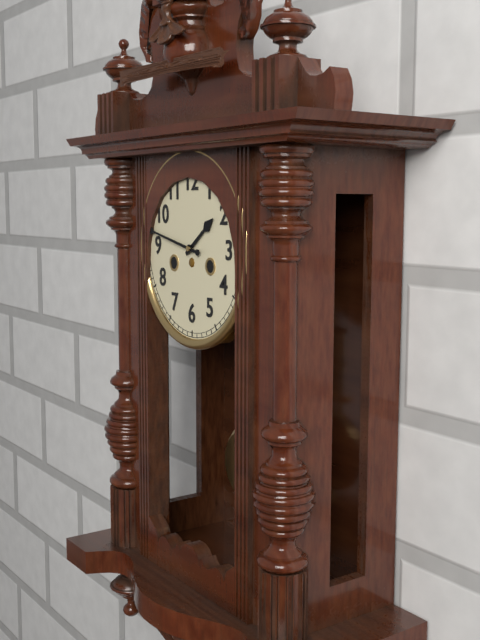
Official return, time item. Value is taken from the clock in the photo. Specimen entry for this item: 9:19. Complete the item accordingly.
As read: 1:47
